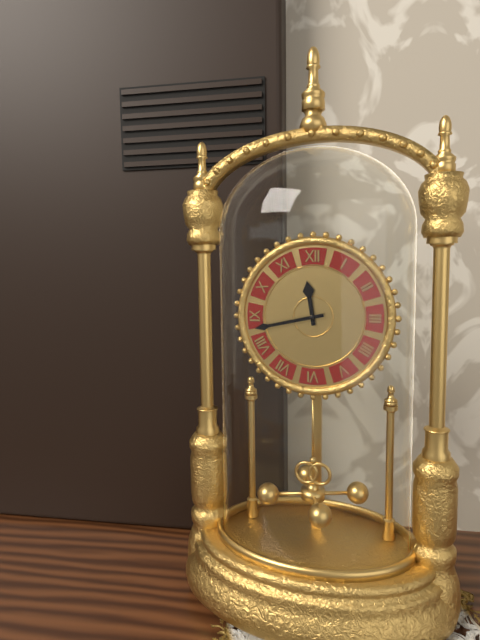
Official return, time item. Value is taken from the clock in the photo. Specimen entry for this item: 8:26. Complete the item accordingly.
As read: 11:43
